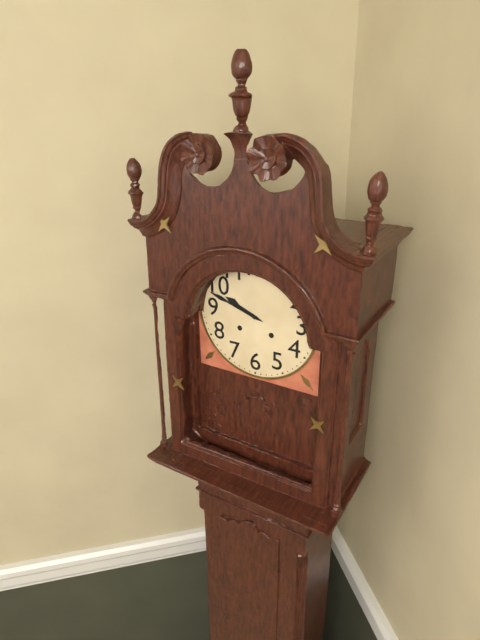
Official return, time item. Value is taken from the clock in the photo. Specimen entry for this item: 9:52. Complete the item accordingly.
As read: 9:48
